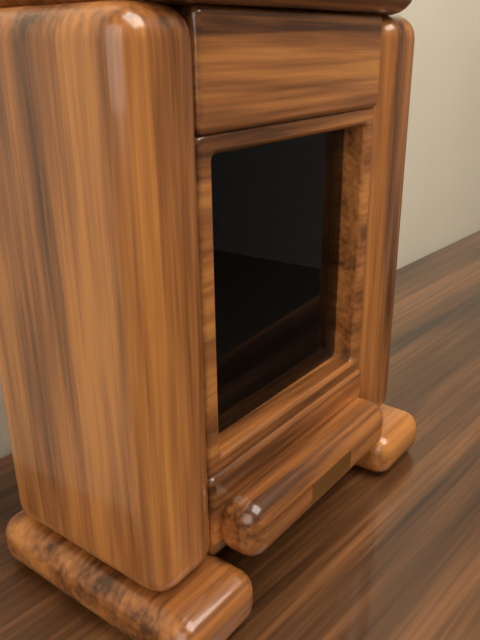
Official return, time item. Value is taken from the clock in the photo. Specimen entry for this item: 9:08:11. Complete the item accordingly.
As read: 5:47:24
